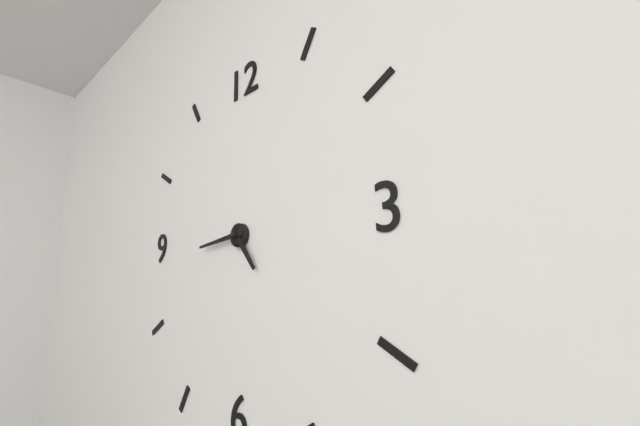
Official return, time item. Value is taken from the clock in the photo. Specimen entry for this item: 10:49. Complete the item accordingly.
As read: 4:44
